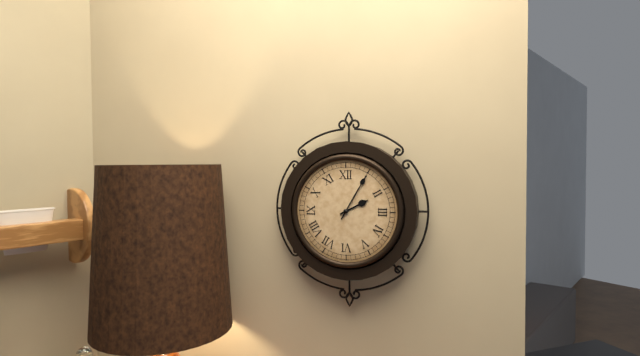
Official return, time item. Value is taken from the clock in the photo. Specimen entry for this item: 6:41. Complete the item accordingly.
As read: 2:05
